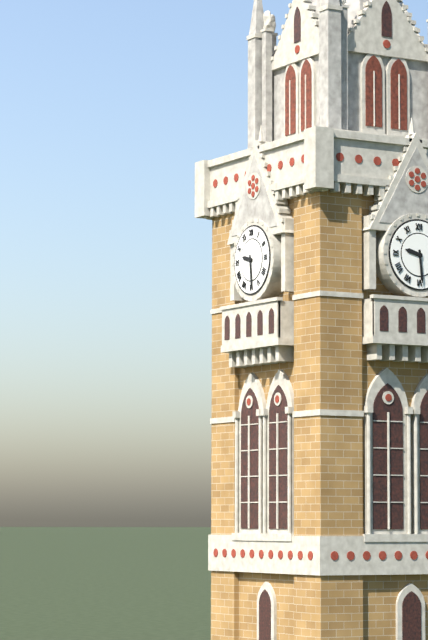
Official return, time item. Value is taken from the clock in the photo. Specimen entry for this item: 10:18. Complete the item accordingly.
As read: 9:29
